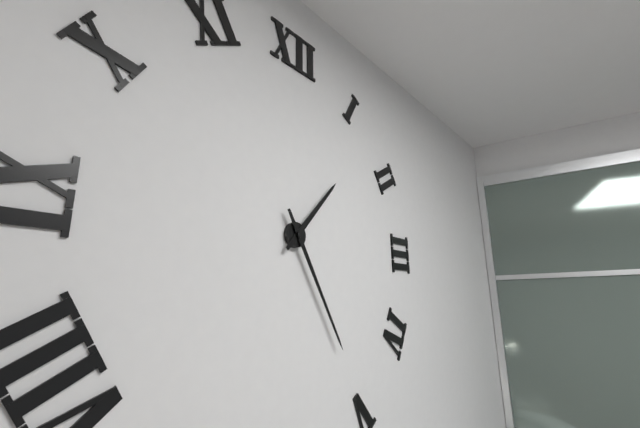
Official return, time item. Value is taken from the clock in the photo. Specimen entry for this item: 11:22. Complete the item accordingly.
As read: 1:25
